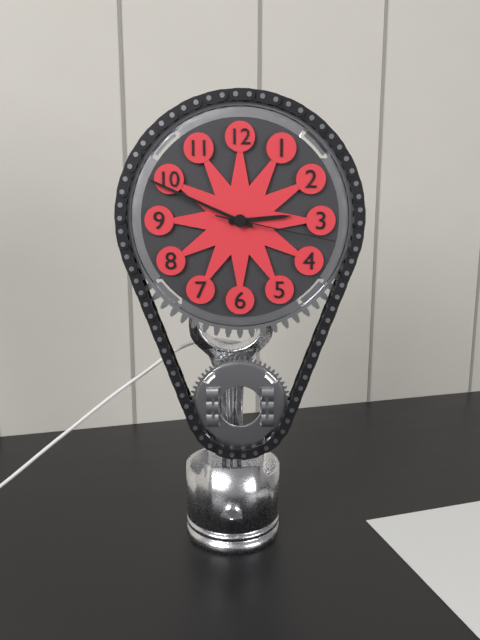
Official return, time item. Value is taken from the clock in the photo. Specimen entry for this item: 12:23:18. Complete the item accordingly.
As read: 2:49:17
